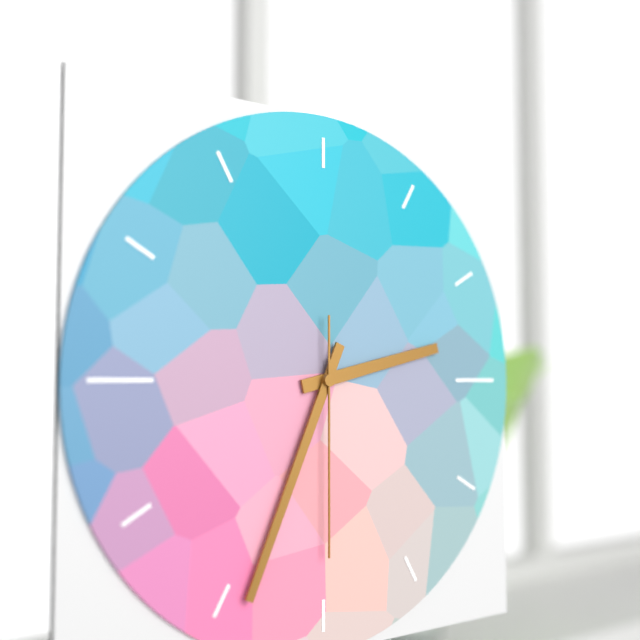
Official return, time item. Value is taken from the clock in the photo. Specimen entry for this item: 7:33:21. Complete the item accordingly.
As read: 2:34:30
